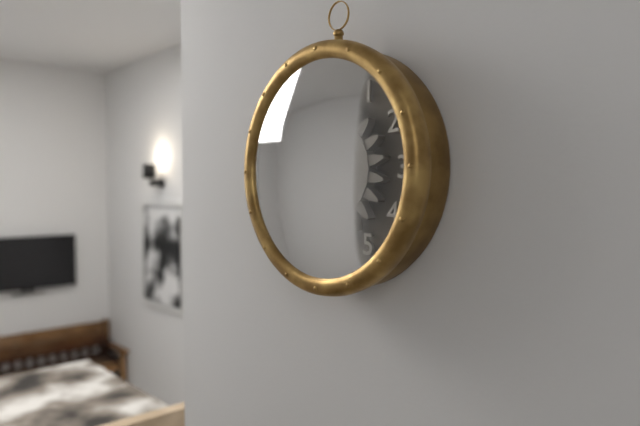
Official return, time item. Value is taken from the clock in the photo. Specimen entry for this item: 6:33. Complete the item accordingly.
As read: 10:36
